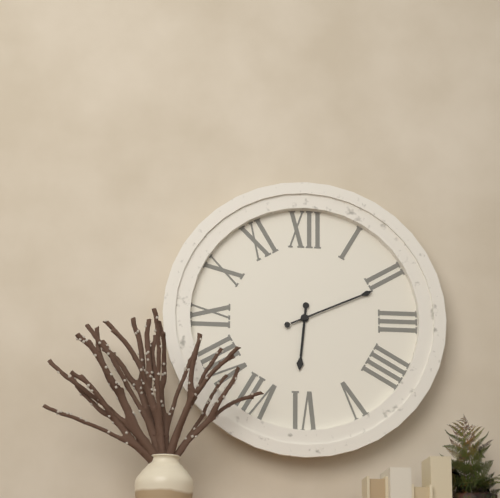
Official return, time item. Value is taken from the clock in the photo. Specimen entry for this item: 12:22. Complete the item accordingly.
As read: 6:11
